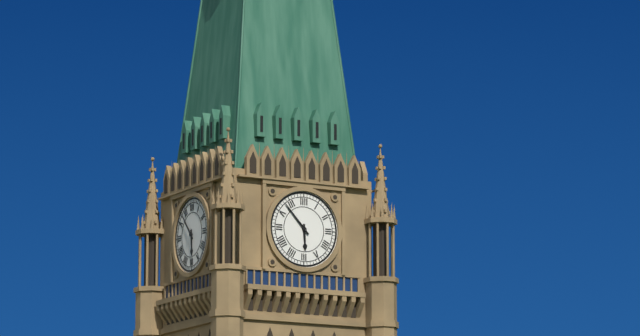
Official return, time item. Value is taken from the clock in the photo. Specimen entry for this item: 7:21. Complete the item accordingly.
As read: 5:53
